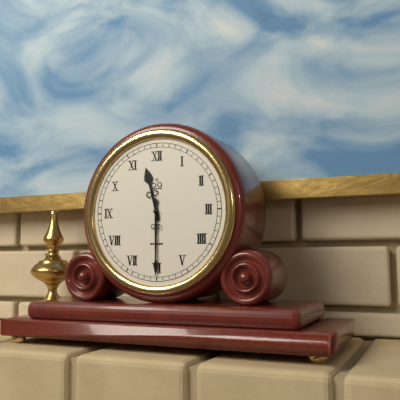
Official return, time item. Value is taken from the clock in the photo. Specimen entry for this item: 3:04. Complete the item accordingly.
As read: 11:30
